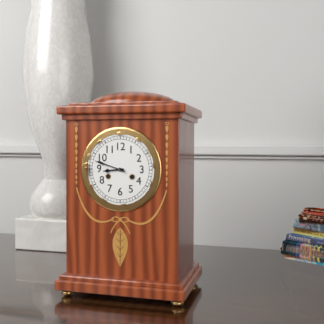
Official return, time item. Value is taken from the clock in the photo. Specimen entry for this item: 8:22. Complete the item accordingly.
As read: 8:48
